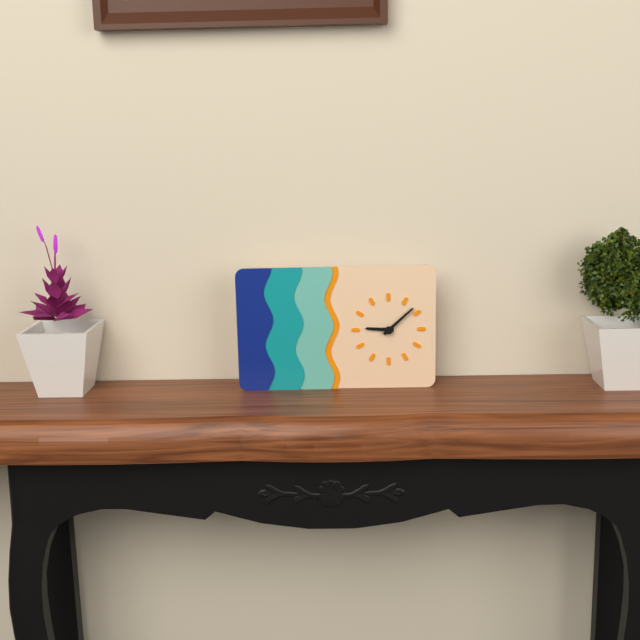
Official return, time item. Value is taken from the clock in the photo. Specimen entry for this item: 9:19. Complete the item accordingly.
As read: 9:08
